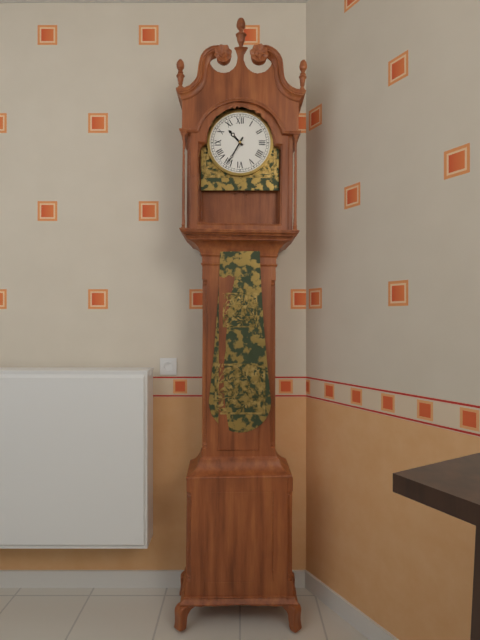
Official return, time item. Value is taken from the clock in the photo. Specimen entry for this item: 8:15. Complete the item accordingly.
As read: 10:35
